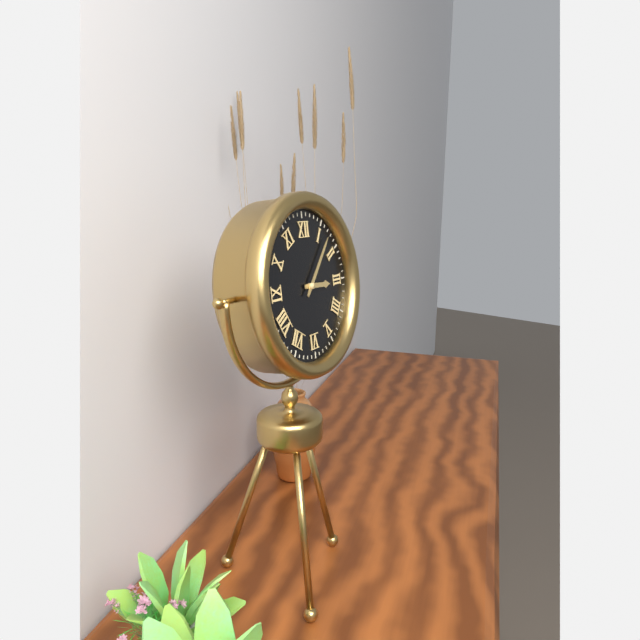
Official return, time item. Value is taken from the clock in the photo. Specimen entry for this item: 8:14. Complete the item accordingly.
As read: 3:07
